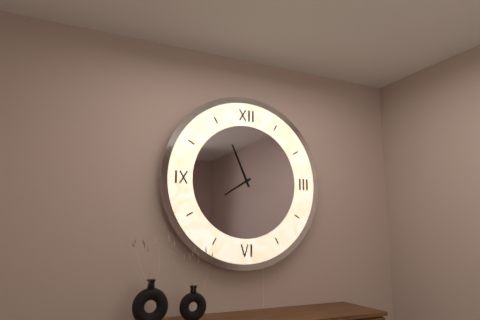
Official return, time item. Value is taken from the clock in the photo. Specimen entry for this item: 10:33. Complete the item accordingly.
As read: 7:56
